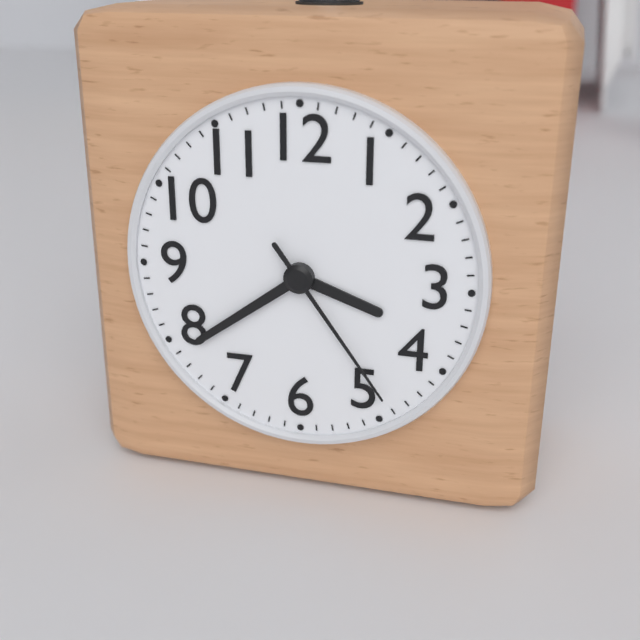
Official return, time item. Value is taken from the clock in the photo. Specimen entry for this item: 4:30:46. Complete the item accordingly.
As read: 3:39:24
